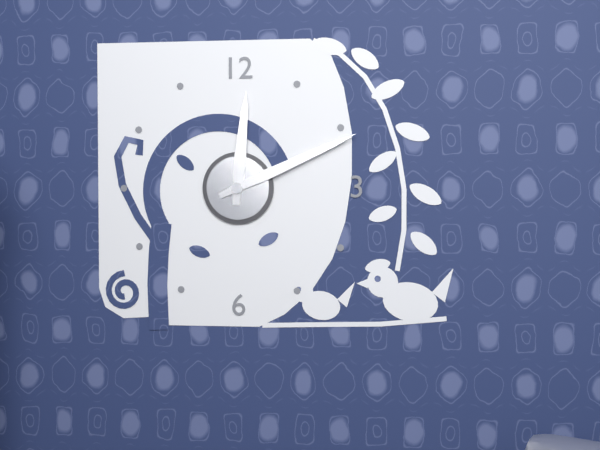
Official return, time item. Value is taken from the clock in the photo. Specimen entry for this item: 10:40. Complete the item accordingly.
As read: 12:11
